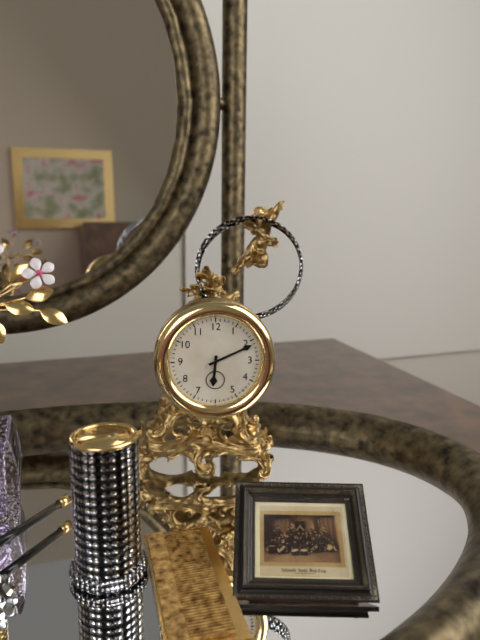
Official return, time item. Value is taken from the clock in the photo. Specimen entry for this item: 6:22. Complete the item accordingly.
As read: 6:11
